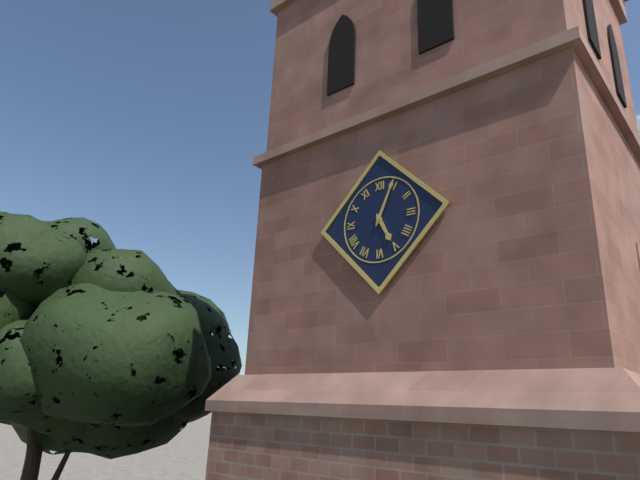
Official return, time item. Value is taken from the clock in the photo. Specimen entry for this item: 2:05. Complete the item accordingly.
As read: 5:04
